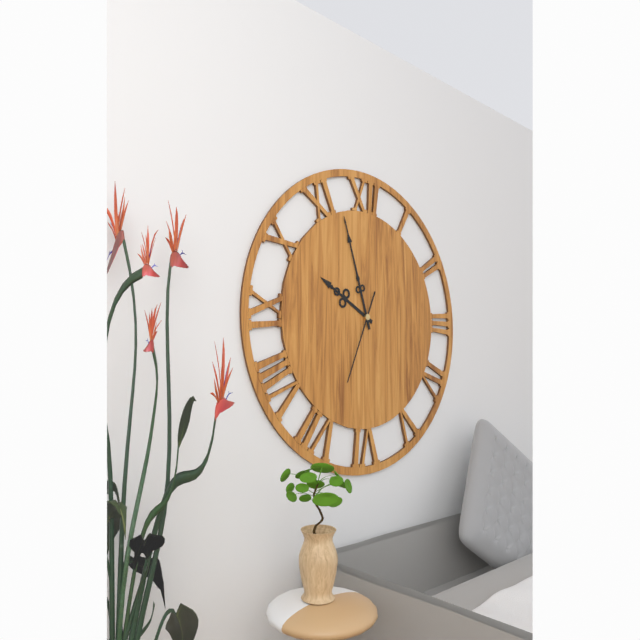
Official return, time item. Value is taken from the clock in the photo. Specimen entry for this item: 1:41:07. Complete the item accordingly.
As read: 9:57:34
